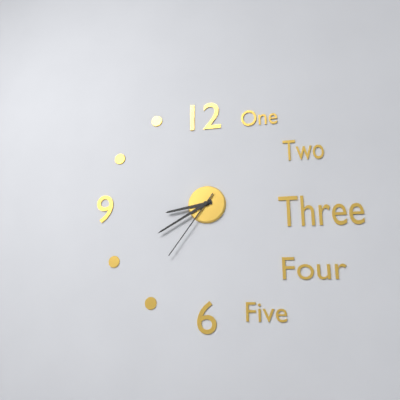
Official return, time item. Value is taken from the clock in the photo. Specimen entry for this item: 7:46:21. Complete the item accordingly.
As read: 8:40:36
